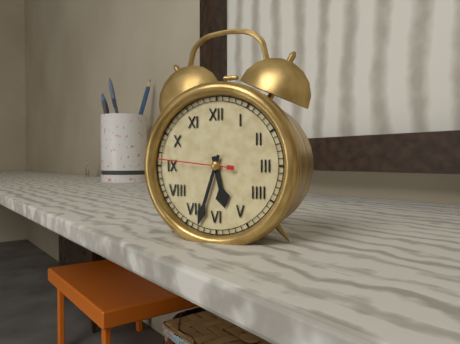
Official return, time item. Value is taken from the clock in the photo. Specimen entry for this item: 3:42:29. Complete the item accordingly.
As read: 5:33:46
